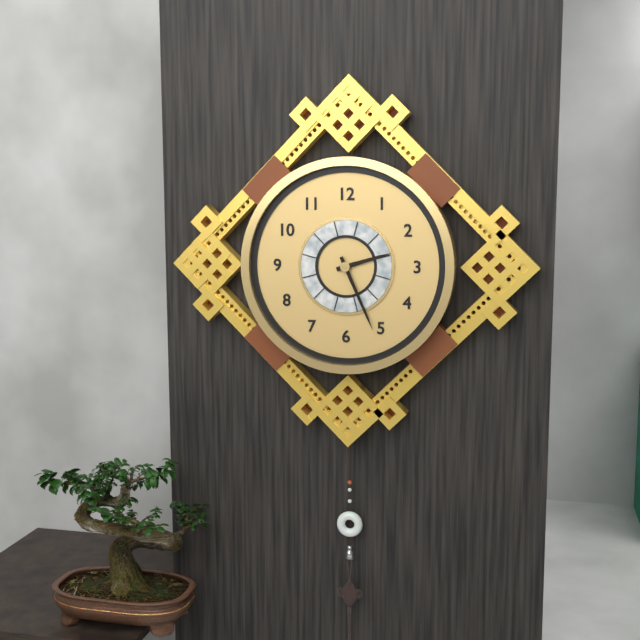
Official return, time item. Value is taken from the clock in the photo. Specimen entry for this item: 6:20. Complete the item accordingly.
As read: 2:26
